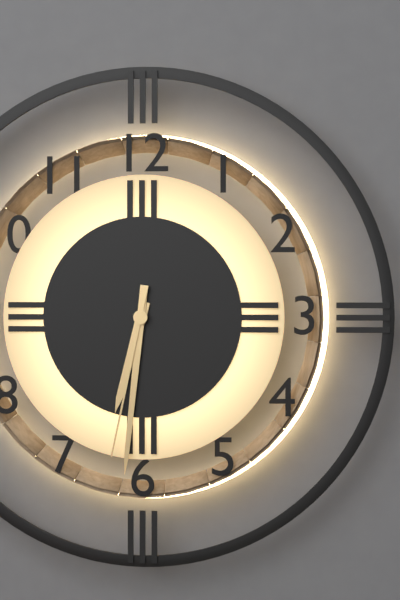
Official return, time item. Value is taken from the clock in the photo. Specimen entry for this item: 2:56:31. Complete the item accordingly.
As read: 6:31:32
